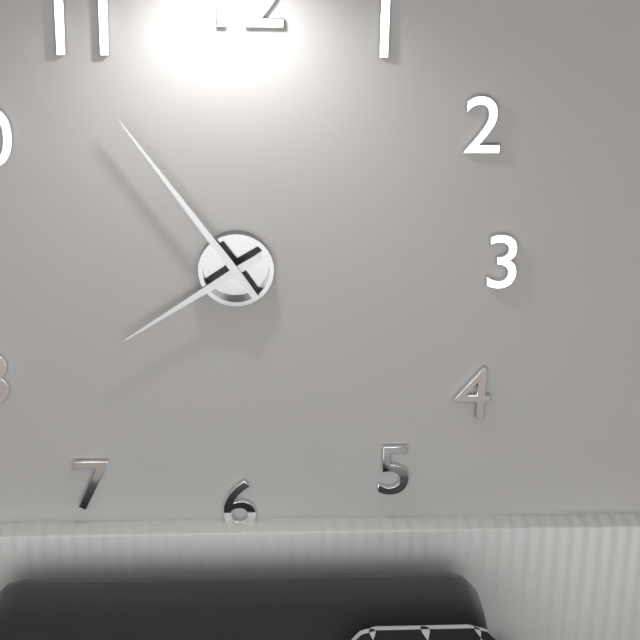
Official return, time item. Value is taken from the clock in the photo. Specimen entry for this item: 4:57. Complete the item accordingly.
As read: 7:54
